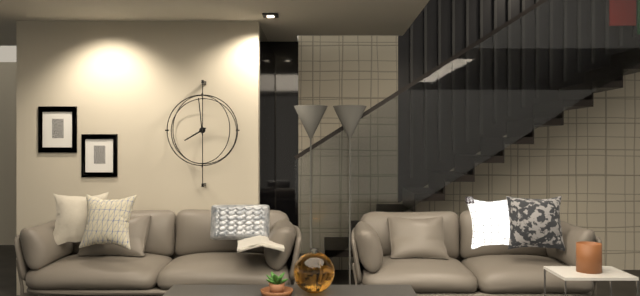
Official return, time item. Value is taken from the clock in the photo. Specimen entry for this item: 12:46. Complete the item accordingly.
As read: 7:59
